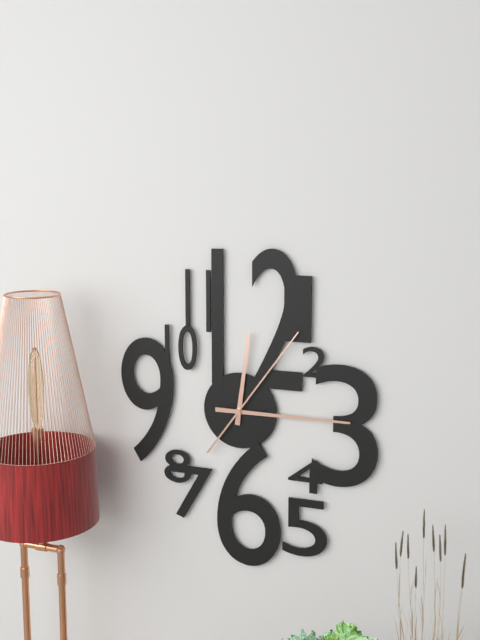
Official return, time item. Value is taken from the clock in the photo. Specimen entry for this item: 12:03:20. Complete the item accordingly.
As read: 12:15:06
